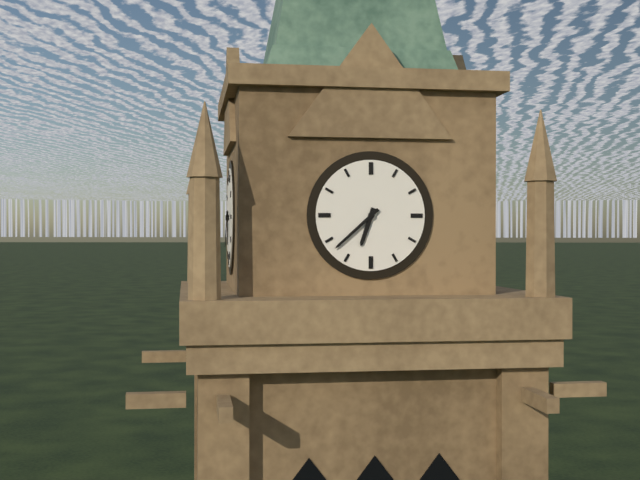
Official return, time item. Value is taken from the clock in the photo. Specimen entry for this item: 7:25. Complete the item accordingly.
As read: 6:38
